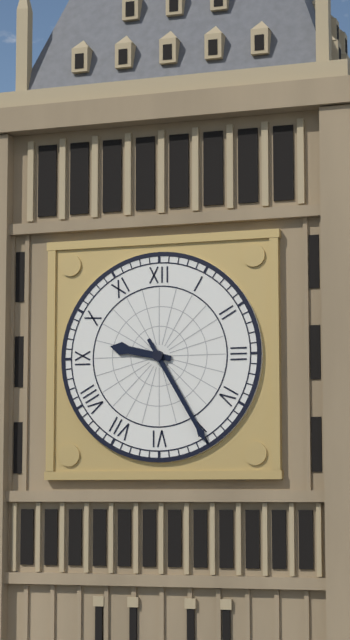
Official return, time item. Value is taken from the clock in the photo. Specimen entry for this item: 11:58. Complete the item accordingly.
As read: 9:25
